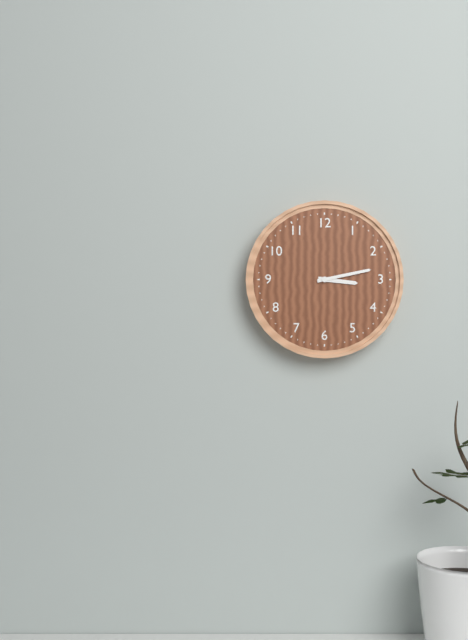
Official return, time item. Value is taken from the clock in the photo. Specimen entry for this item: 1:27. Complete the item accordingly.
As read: 3:13
